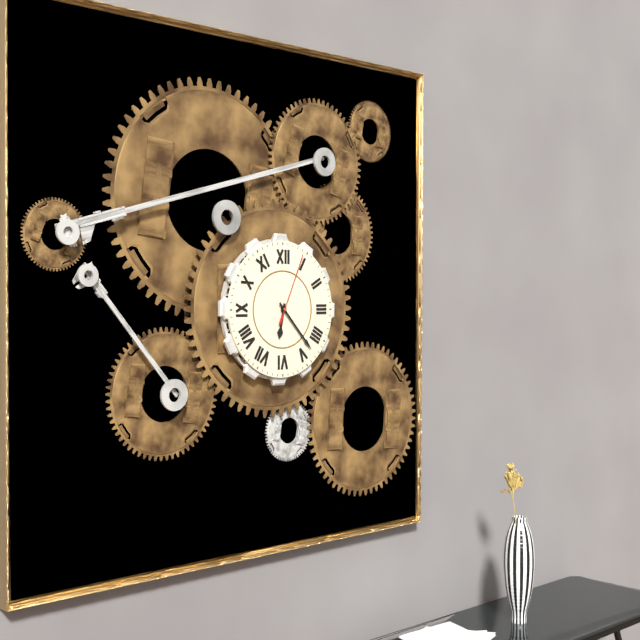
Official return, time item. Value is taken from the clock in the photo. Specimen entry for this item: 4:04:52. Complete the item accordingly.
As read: 6:23:04
